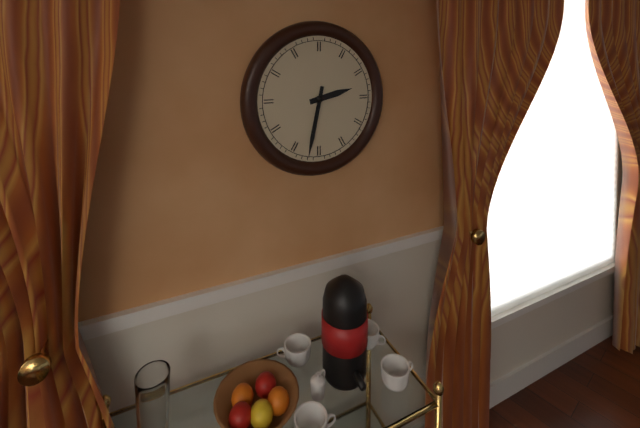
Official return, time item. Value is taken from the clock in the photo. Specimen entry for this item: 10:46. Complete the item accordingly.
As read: 2:32
